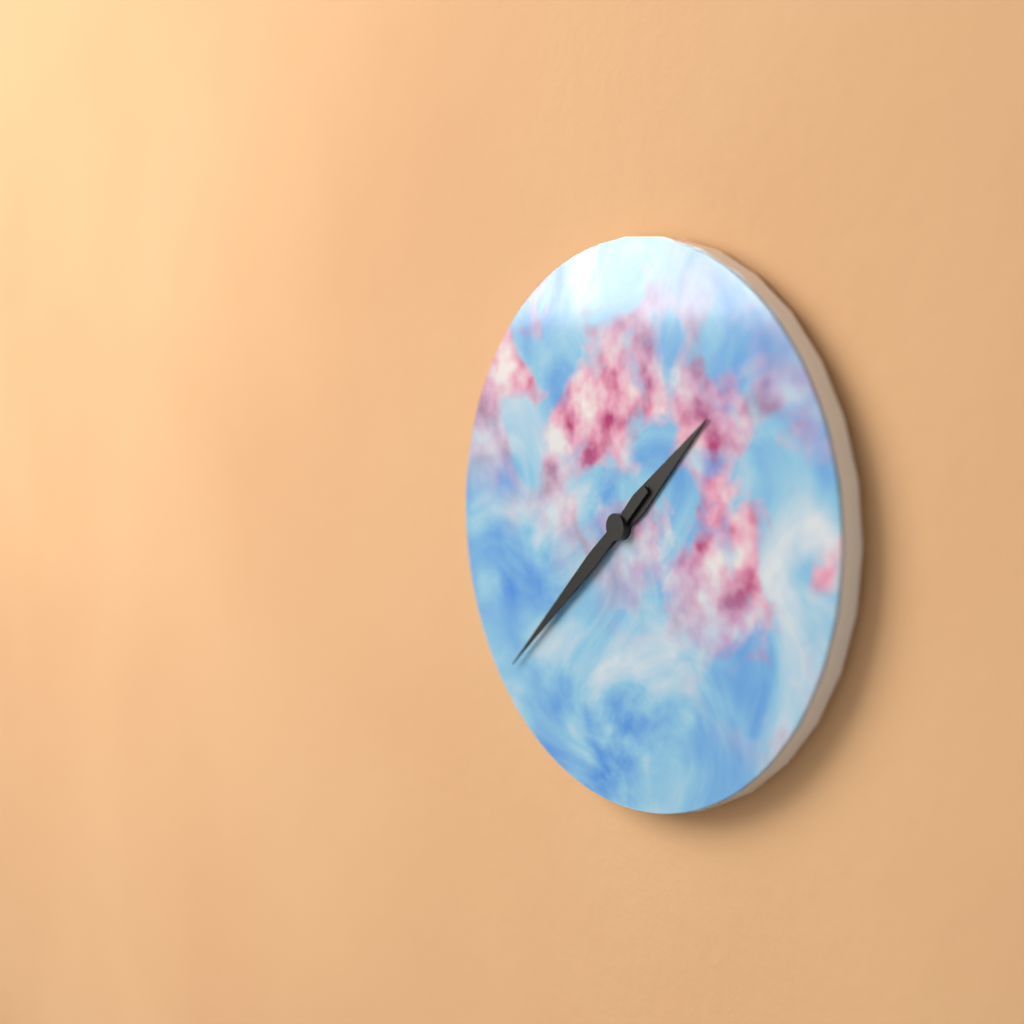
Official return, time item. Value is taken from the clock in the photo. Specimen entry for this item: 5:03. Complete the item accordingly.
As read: 1:38
